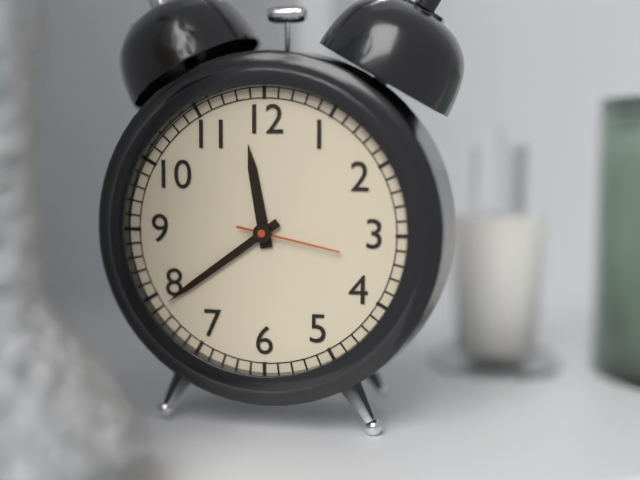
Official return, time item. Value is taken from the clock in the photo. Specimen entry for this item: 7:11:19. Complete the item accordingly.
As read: 11:39:17
